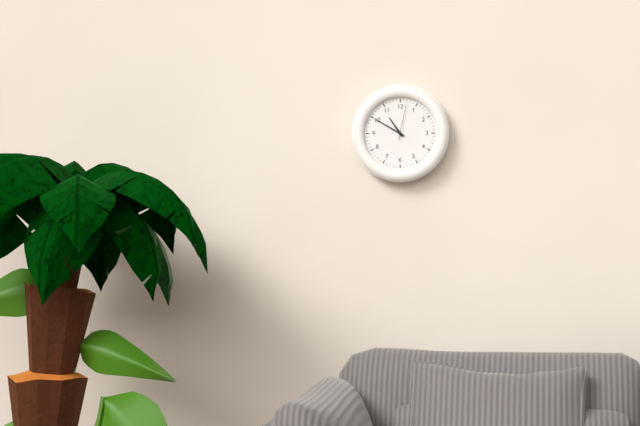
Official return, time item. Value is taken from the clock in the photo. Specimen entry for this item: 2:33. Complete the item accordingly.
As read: 10:50
